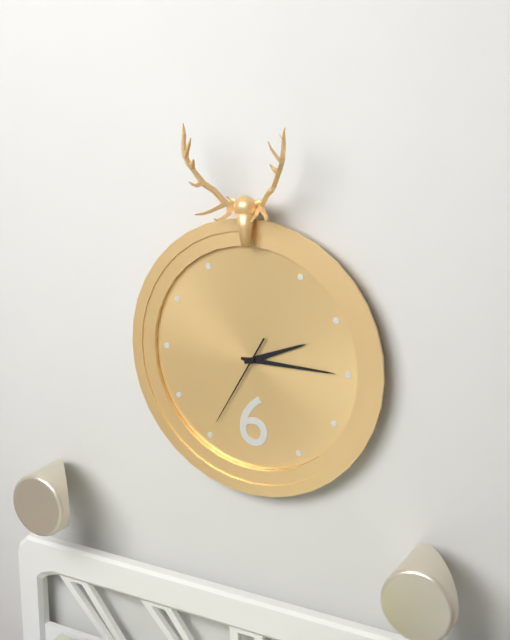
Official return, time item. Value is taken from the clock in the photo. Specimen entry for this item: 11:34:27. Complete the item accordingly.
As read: 2:15:35
